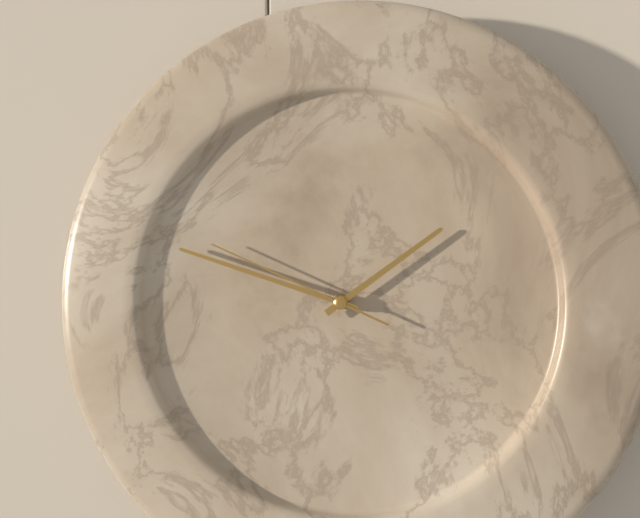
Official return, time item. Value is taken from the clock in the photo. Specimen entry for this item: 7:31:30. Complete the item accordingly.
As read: 1:48:49
